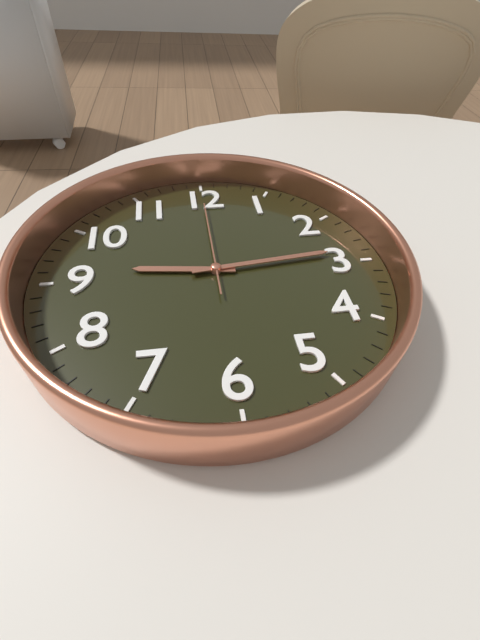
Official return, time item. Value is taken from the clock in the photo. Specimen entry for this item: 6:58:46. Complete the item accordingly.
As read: 9:14:00
